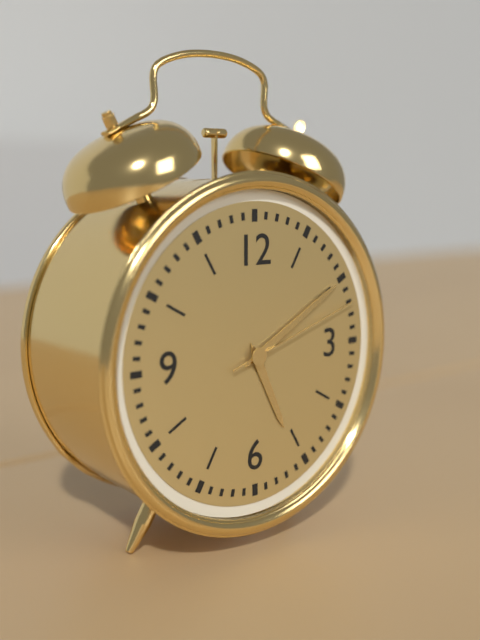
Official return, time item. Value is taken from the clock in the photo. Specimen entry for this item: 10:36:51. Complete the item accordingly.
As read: 5:10:12
